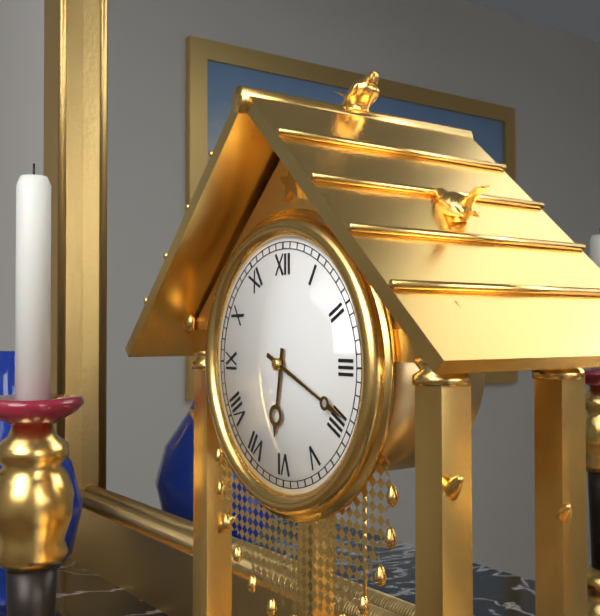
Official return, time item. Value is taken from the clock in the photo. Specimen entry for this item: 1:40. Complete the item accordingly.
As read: 6:19
